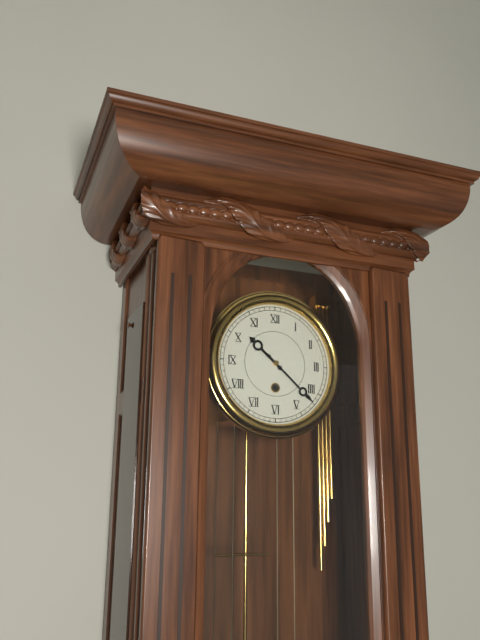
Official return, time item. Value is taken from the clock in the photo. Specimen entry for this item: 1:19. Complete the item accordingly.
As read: 10:22
